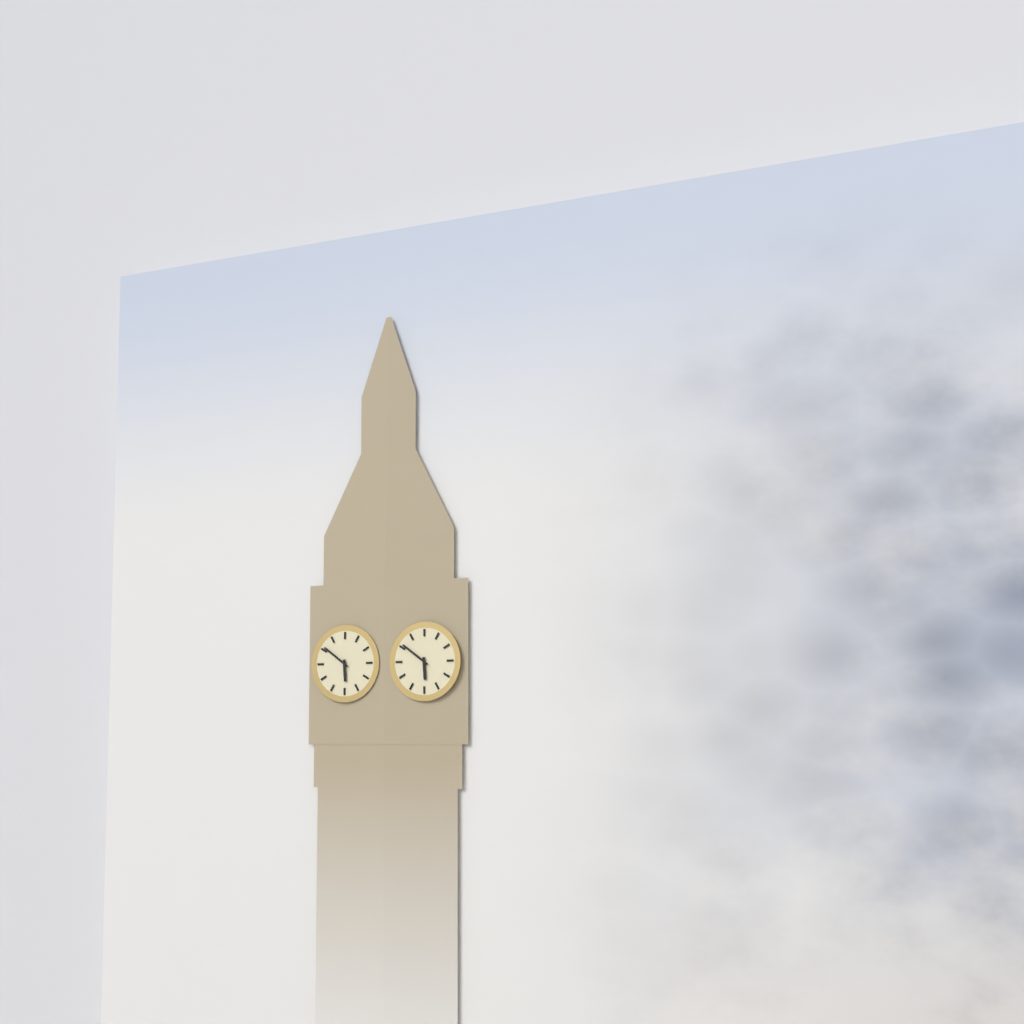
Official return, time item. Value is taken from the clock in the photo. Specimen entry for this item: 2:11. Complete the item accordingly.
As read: 5:51
